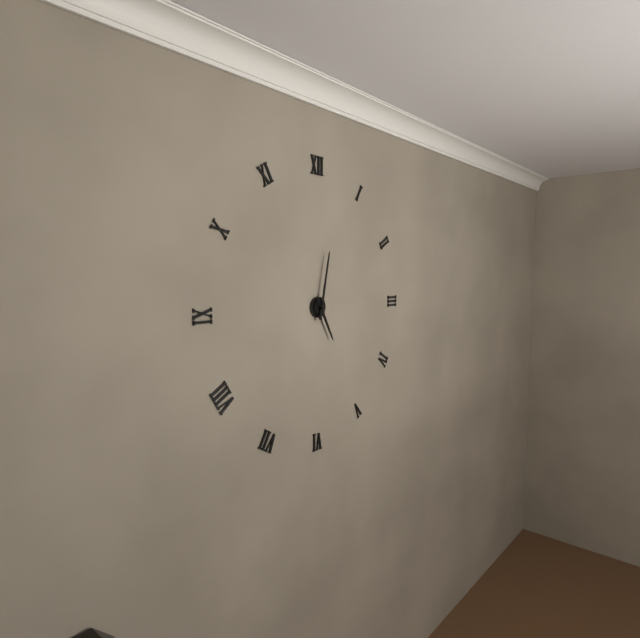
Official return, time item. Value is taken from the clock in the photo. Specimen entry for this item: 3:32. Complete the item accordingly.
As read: 5:02
